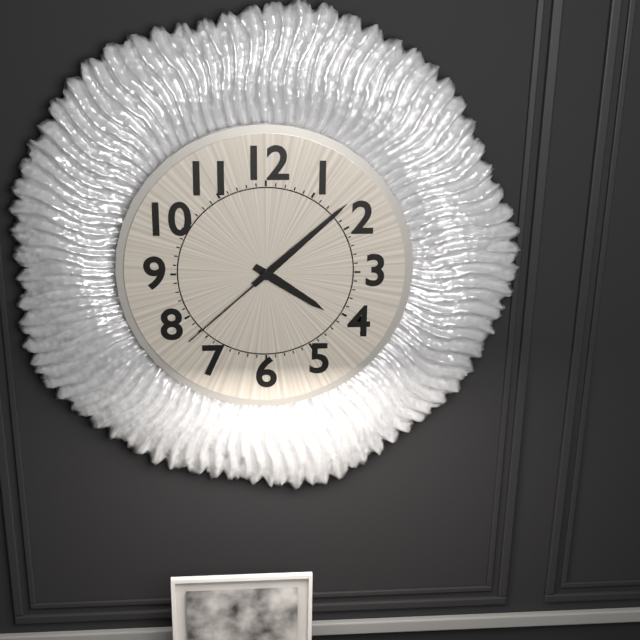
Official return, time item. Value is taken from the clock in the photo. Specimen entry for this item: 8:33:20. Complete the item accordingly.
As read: 4:08:38
